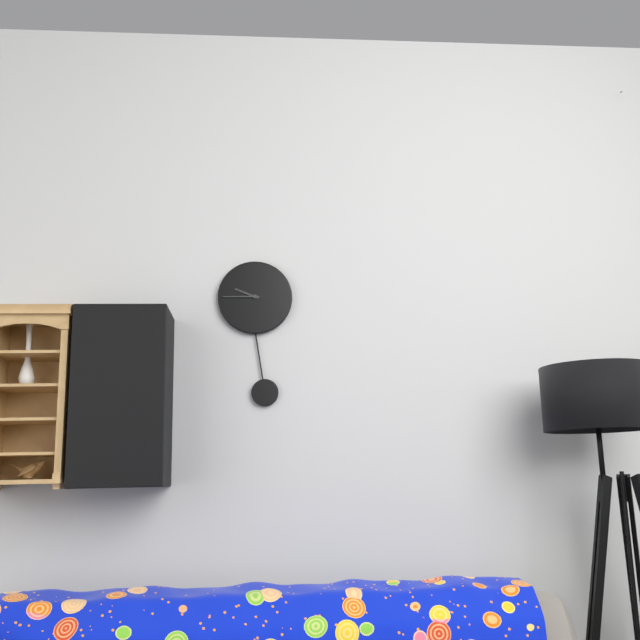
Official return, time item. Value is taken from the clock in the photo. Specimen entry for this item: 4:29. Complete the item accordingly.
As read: 9:45
